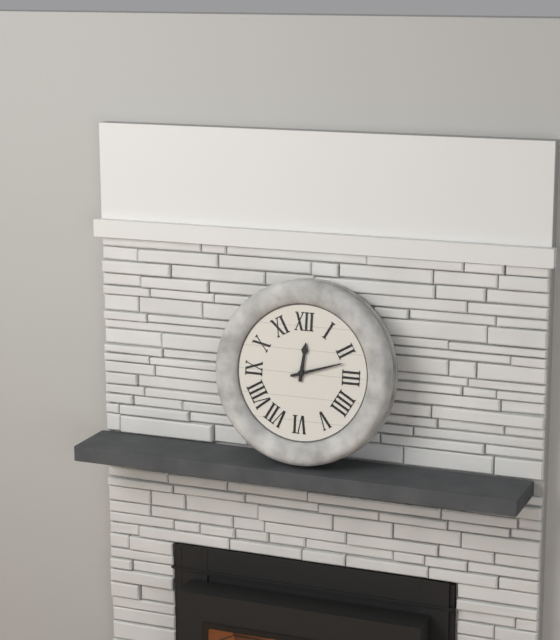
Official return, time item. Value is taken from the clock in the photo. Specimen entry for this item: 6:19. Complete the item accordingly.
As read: 12:12
